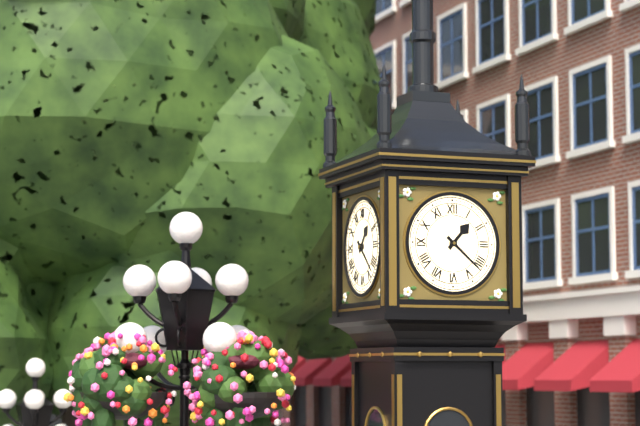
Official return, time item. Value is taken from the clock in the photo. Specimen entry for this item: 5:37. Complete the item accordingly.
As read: 1:22
